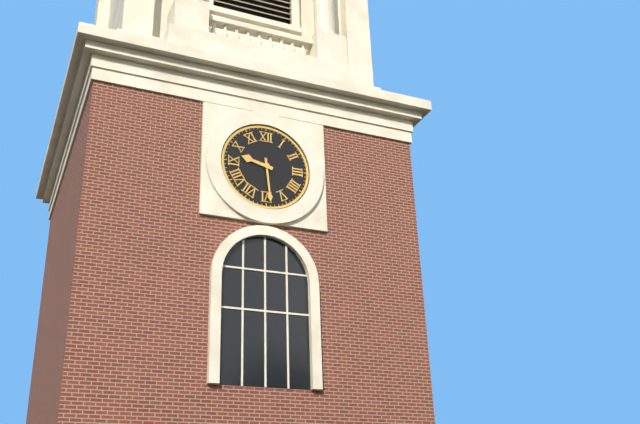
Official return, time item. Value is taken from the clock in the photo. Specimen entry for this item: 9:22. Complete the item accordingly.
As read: 9:29
